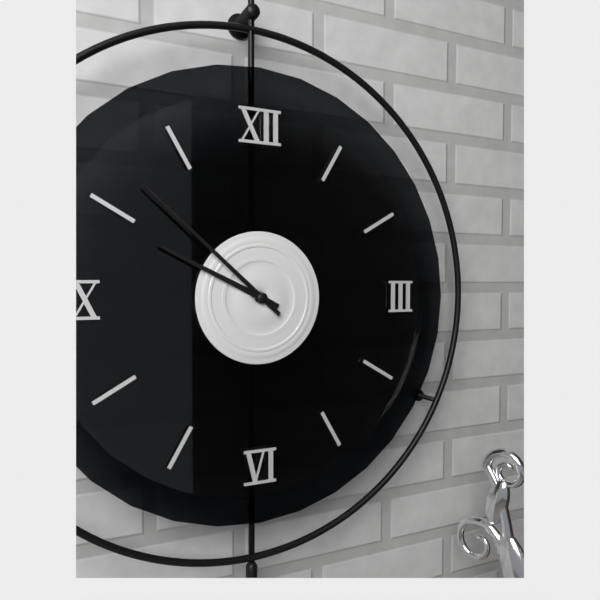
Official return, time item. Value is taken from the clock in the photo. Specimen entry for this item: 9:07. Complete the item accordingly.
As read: 9:52
